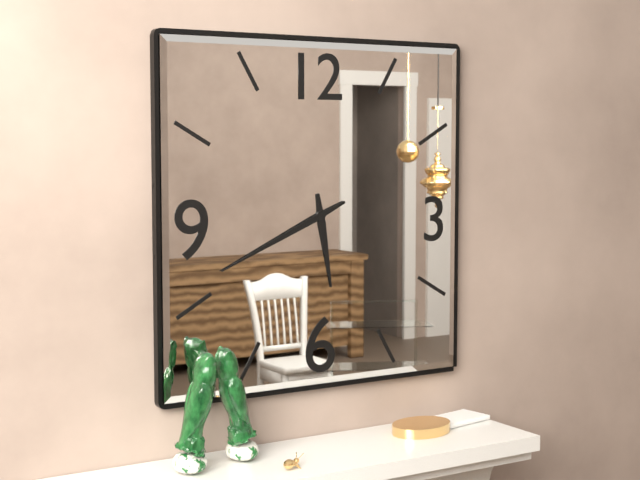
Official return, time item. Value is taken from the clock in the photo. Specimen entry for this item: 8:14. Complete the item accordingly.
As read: 5:41
